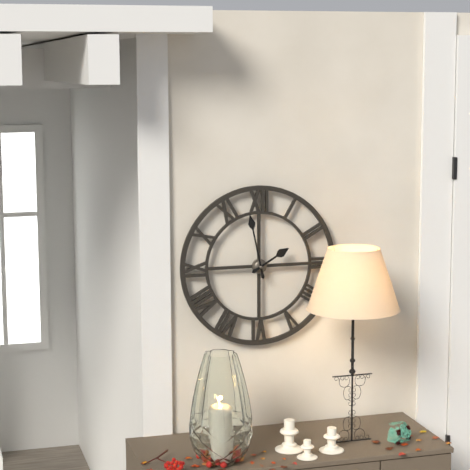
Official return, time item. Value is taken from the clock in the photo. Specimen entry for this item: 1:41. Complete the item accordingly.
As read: 1:58
